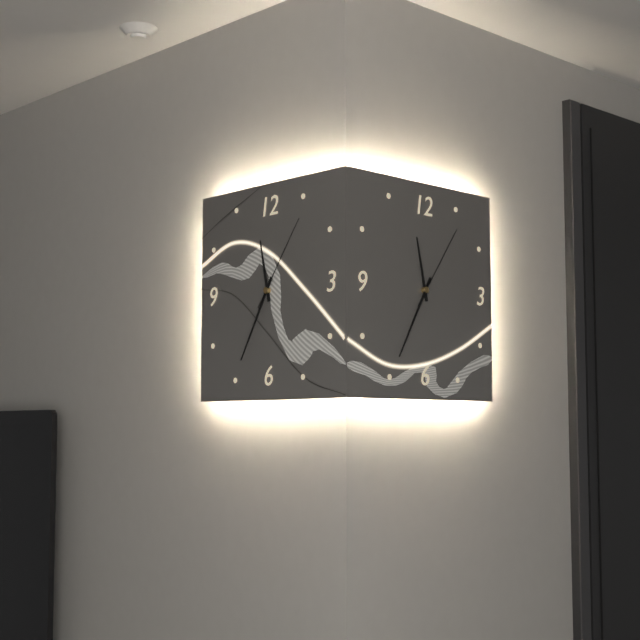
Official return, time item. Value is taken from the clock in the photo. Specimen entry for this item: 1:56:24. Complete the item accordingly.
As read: 11:35:06
